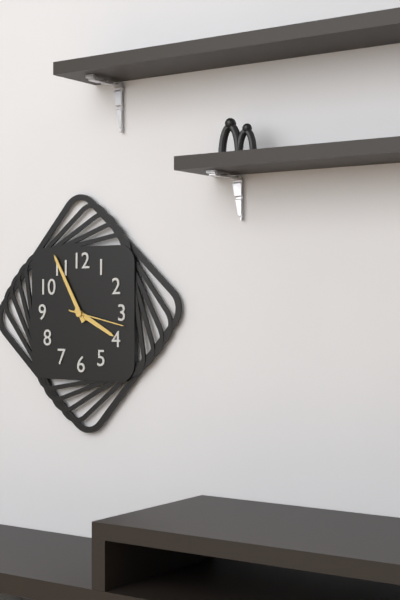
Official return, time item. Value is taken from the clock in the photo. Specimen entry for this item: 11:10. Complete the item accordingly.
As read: 3:55
